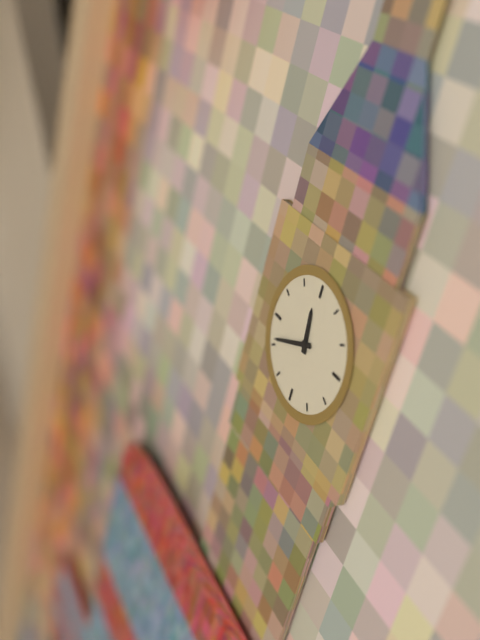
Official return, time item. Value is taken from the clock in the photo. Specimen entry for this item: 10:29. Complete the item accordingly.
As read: 11:41
